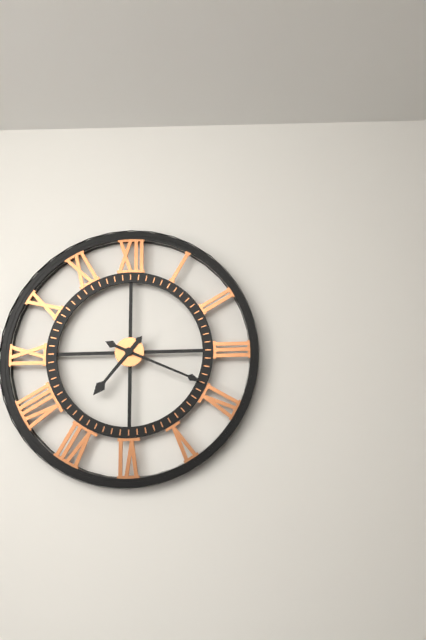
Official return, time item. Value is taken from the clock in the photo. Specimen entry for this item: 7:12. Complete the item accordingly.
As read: 7:19
